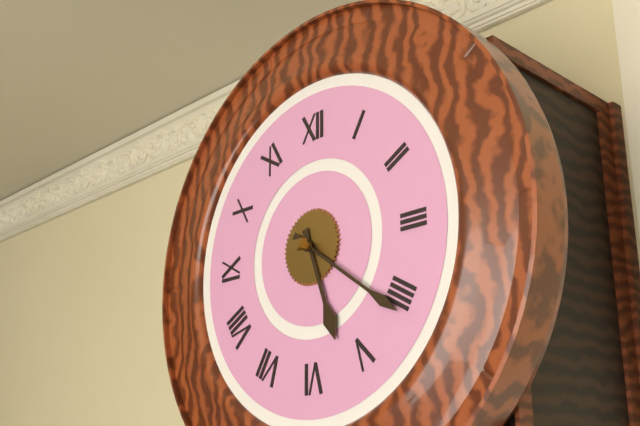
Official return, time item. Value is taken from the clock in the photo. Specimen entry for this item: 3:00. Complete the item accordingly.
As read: 5:21
